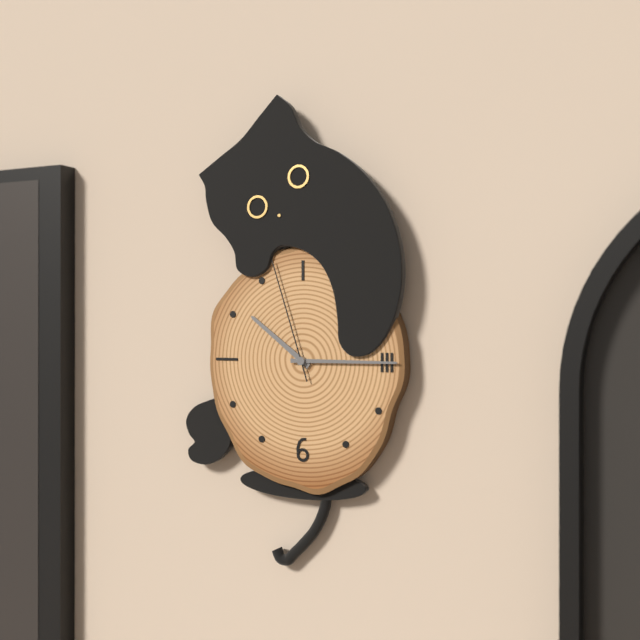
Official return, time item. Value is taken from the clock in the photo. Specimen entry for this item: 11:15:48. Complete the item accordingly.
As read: 10:15:57
